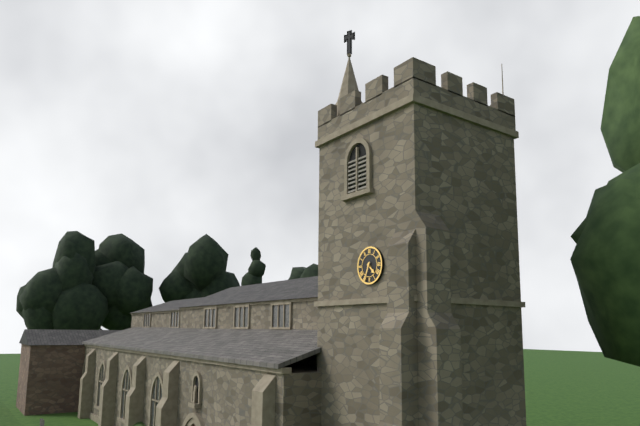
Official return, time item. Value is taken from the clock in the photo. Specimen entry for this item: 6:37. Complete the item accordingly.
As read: 4:34
